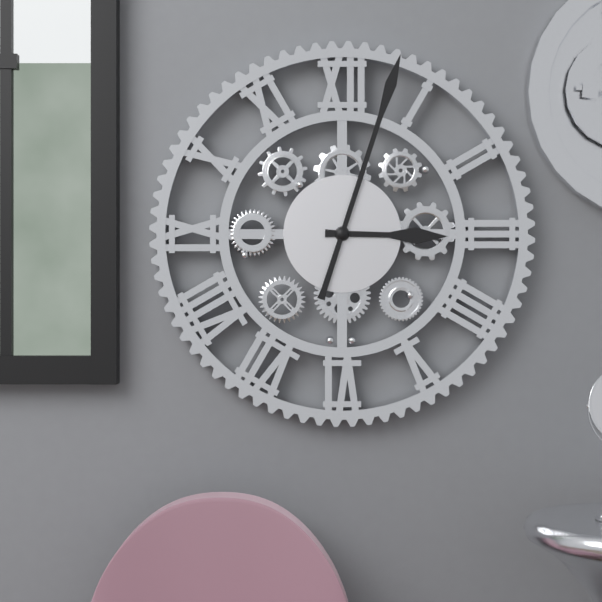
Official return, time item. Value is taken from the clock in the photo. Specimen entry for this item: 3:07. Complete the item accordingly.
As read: 3:03
